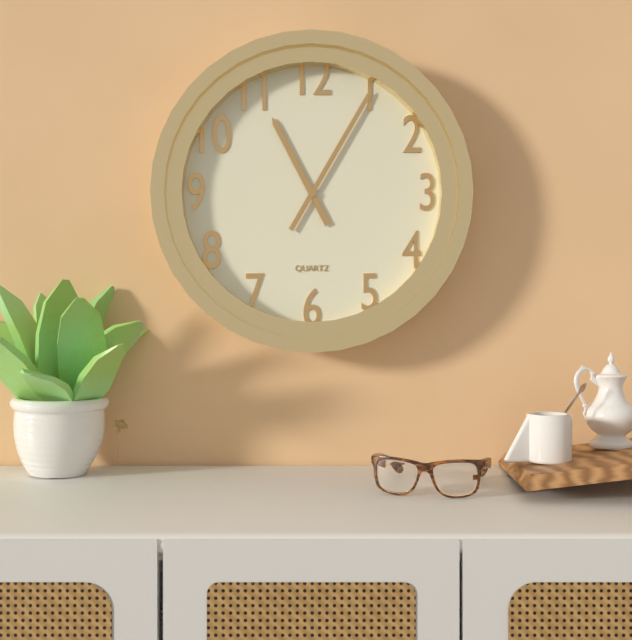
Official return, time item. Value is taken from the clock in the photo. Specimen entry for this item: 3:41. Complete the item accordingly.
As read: 11:05
